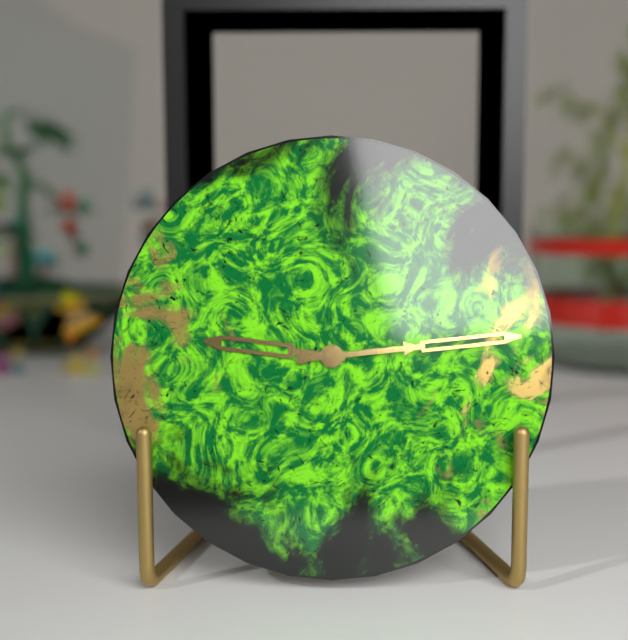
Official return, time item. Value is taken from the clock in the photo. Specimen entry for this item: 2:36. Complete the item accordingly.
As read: 9:14
